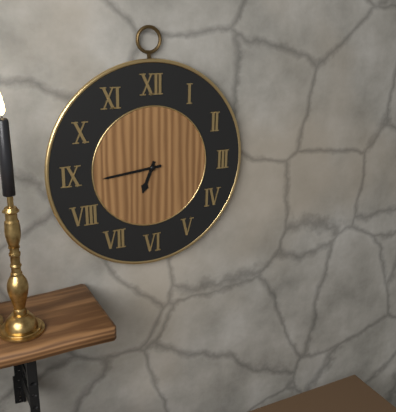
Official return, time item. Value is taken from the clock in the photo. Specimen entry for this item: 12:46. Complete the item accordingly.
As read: 6:44
